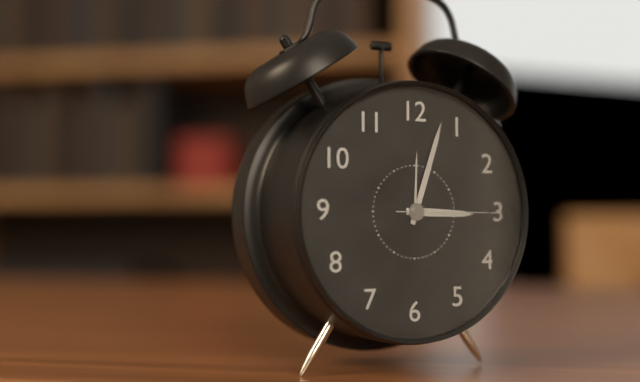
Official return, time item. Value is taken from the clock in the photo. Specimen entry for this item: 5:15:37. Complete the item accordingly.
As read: 3:03:15
